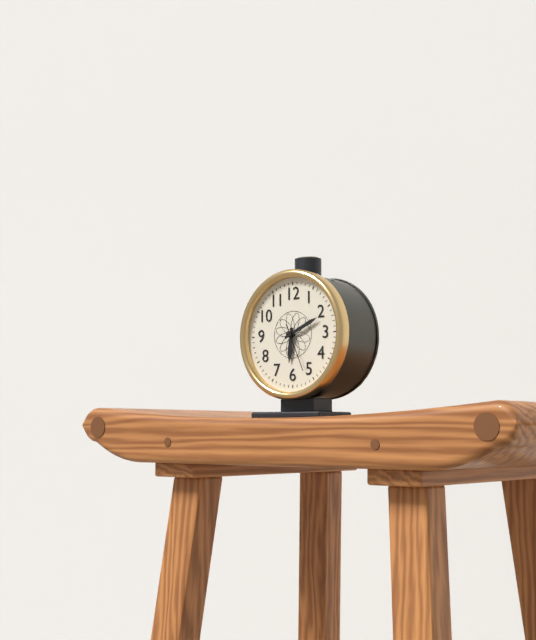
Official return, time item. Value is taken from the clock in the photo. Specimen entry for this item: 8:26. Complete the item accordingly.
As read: 6:11
